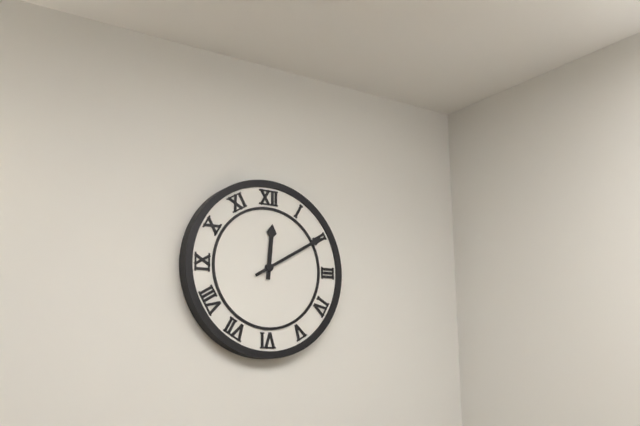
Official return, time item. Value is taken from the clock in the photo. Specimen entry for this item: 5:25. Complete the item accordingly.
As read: 12:10
